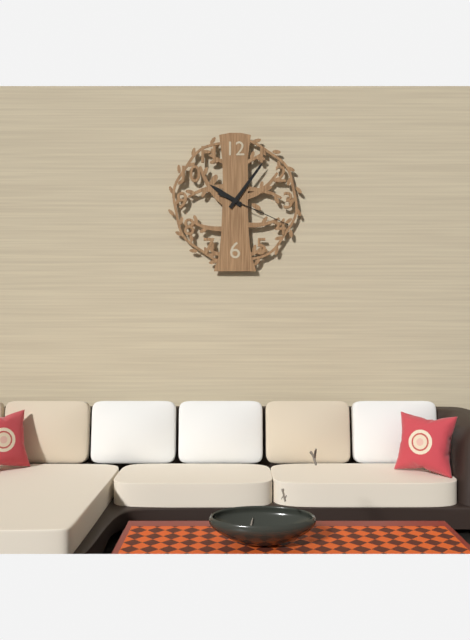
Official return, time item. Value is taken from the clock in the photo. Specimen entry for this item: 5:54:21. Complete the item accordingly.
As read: 10:06:19
